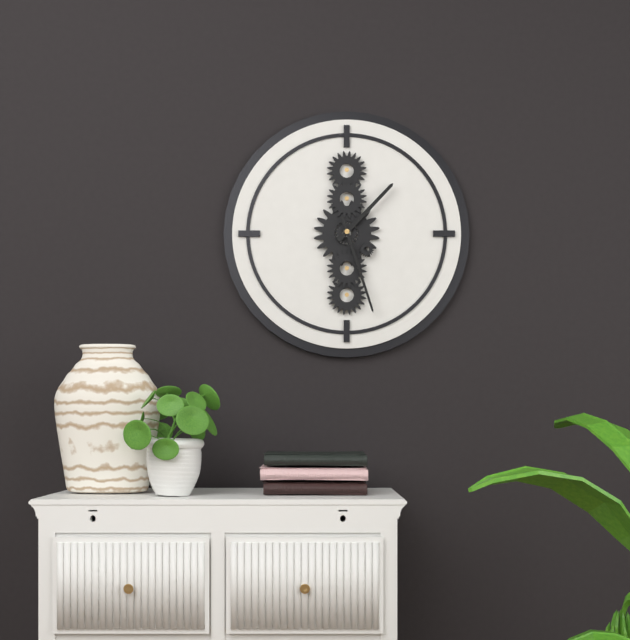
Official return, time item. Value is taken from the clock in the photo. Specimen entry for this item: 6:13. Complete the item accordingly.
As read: 1:27
